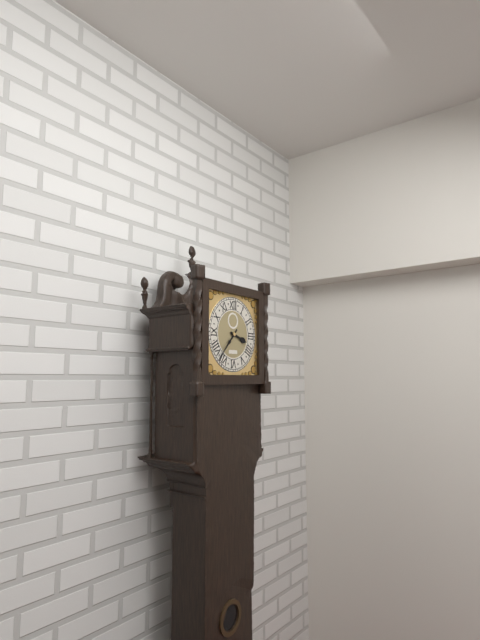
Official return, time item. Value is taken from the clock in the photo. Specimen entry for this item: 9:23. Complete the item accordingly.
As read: 3:37
